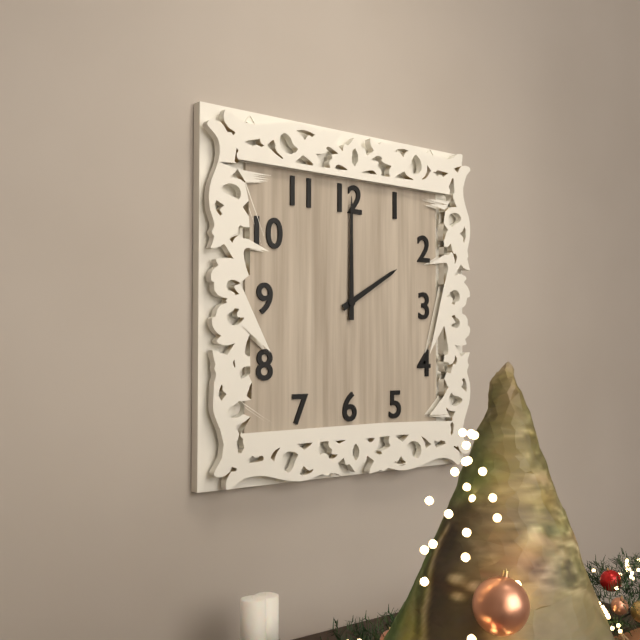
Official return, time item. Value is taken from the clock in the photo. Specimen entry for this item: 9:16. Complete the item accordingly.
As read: 2:00
